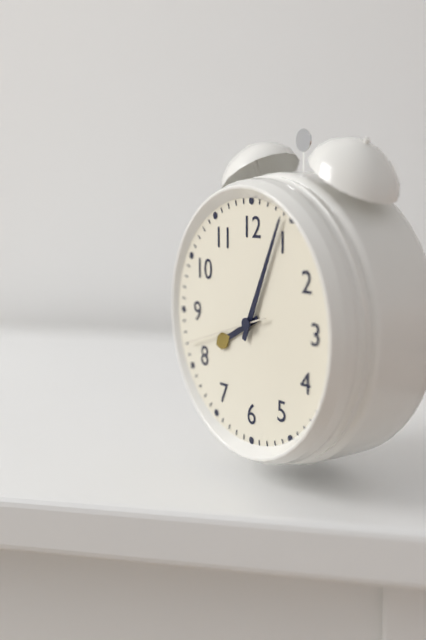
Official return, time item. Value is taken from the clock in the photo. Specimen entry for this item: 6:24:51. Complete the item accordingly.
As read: 8:04:42
